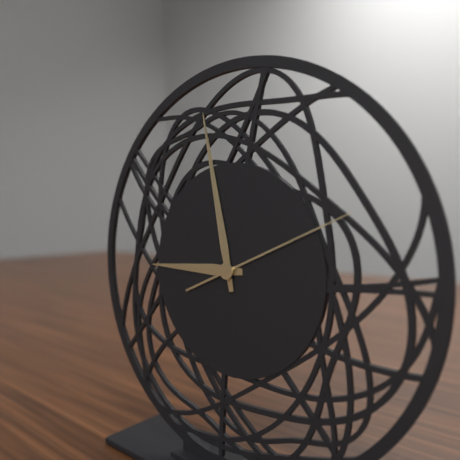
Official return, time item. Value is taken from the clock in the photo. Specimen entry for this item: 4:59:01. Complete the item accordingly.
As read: 8:58:11
